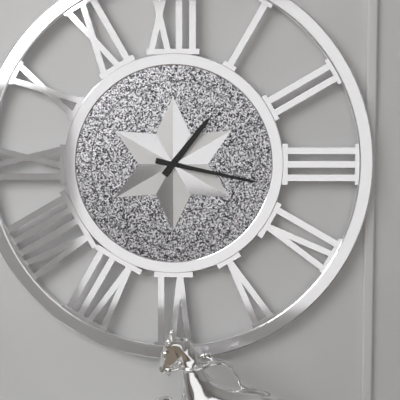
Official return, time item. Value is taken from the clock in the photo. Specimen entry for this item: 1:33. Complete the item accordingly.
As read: 1:17
